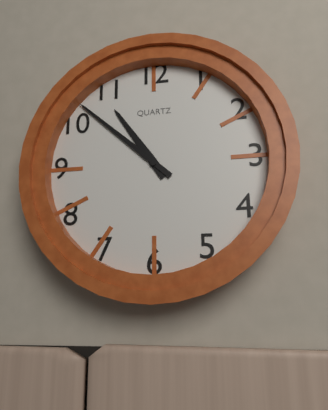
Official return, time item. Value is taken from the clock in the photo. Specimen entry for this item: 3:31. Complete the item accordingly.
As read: 10:52
